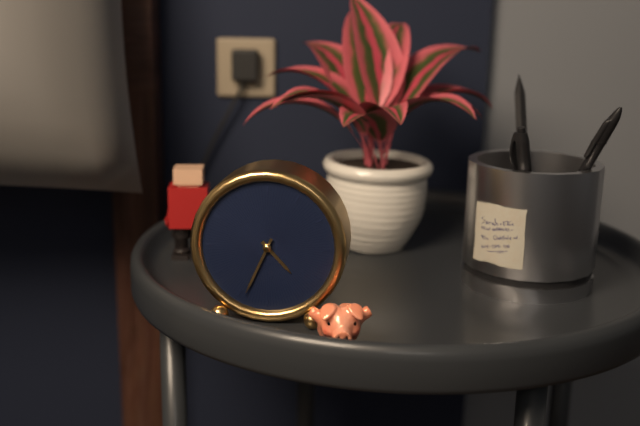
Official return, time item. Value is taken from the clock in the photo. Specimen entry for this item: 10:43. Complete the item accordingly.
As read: 4:34
